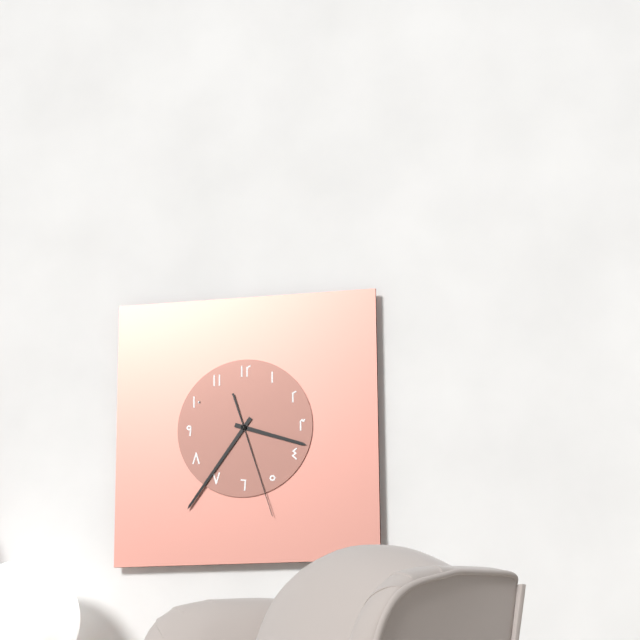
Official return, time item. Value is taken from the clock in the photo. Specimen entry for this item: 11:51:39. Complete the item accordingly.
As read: 3:36:27
